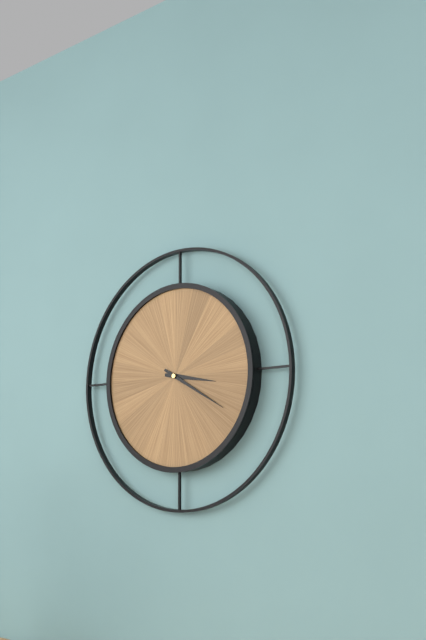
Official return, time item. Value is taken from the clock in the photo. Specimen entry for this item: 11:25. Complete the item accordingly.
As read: 3:20
